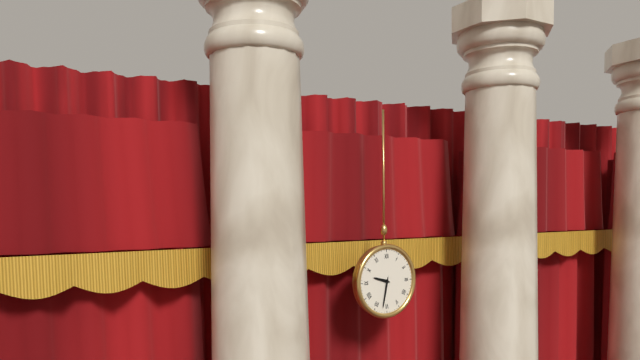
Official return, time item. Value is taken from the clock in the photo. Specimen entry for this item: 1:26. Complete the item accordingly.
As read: 9:32
